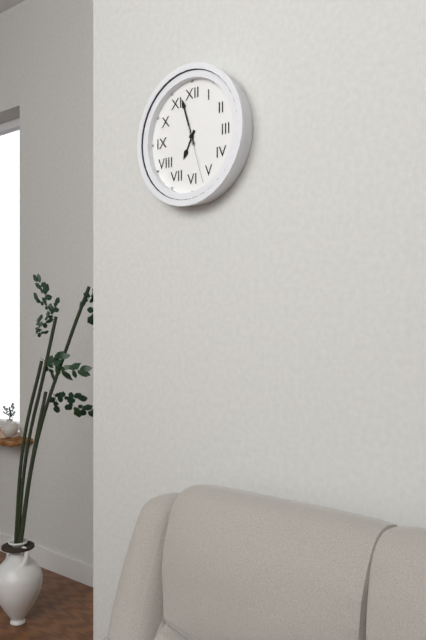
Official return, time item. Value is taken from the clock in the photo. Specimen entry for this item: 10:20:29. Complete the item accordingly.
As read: 6:57:27
